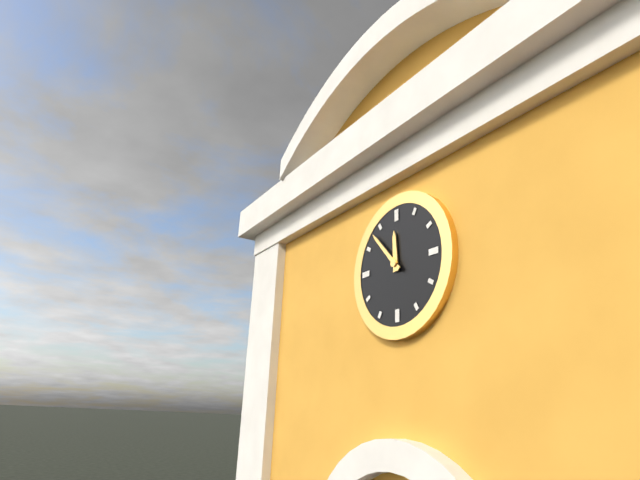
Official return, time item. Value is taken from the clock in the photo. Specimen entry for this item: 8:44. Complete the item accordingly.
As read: 11:53
